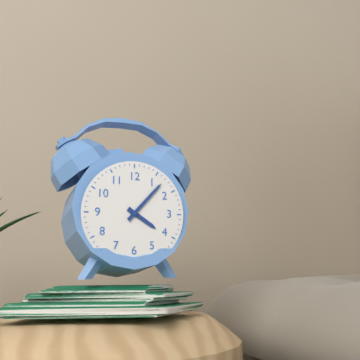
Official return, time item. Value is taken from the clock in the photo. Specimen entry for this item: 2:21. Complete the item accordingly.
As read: 4:07
